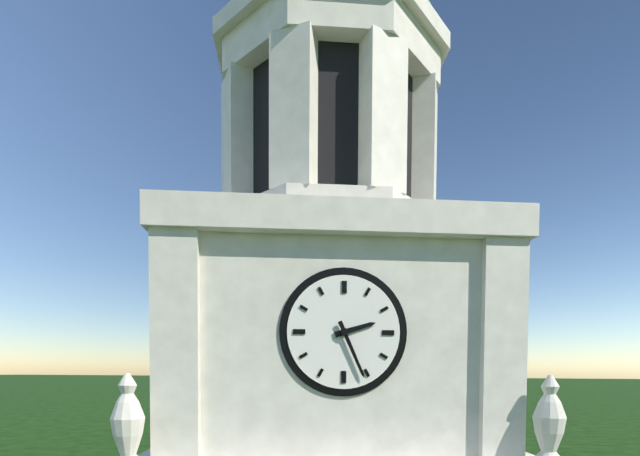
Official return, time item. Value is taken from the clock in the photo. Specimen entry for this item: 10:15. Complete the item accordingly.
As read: 2:26
